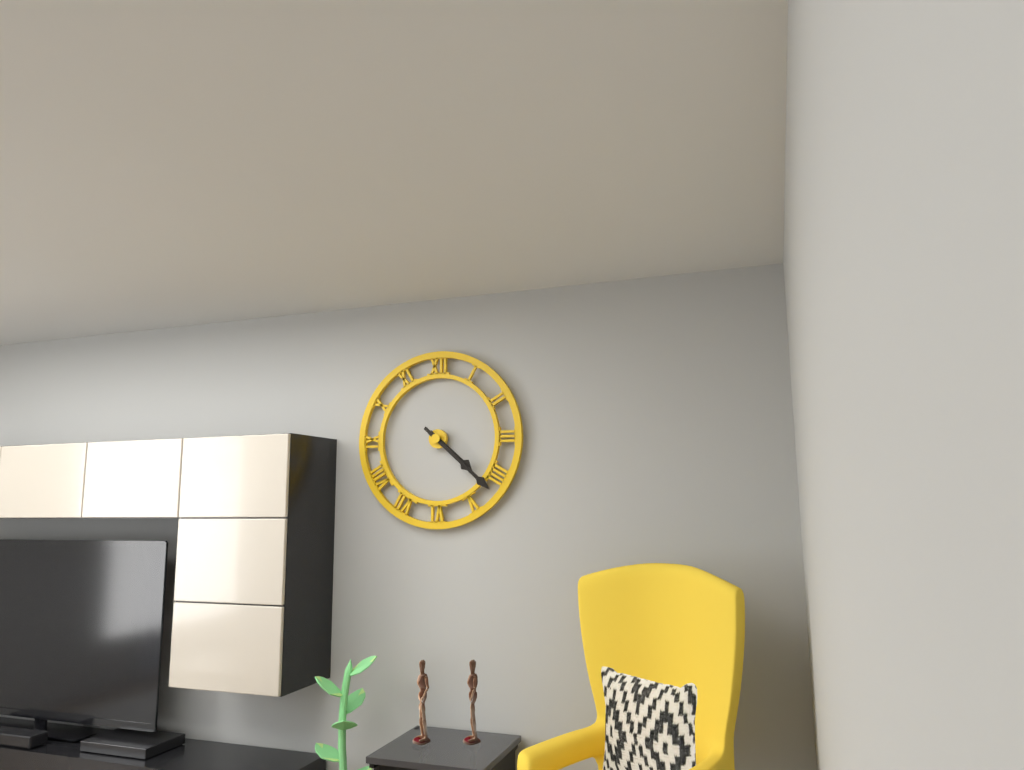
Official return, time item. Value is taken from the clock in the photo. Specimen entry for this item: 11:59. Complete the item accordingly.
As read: 4:22
